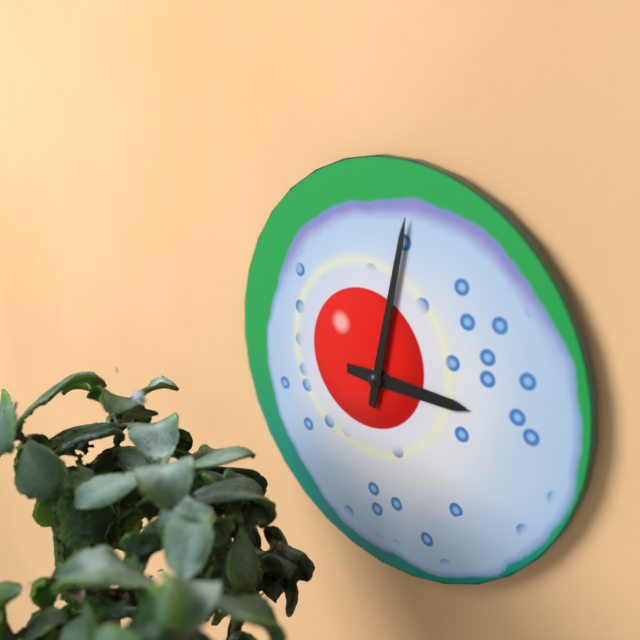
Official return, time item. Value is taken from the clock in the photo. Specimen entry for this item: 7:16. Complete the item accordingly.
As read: 3:02
